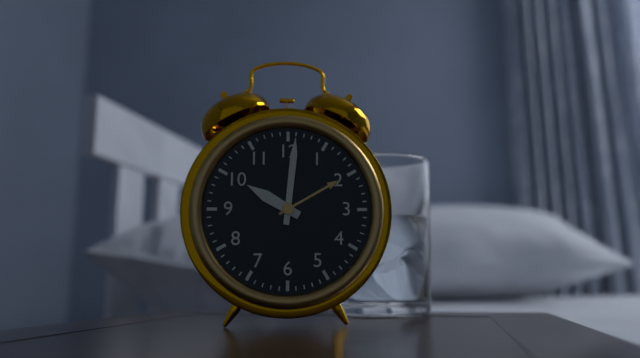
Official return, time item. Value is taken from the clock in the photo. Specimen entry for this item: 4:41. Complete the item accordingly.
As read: 10:01
